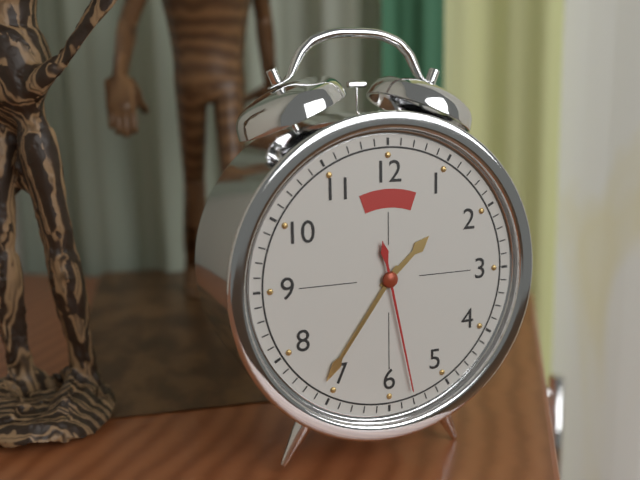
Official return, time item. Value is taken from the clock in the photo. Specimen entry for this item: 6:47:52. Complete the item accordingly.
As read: 1:36:28
